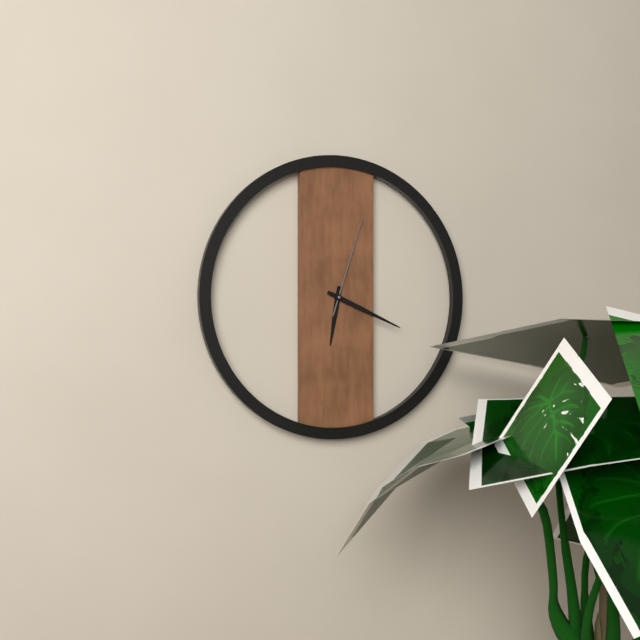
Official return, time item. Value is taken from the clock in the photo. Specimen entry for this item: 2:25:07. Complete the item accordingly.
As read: 6:19:03
